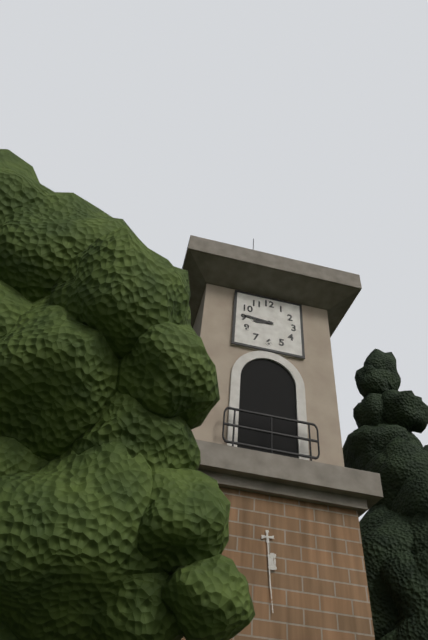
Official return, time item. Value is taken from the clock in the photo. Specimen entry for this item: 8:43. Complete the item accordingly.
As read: 8:46
